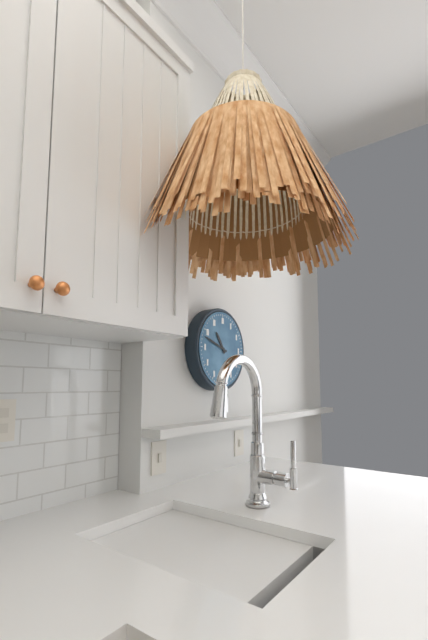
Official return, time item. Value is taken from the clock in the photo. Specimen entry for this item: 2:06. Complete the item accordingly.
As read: 10:48
